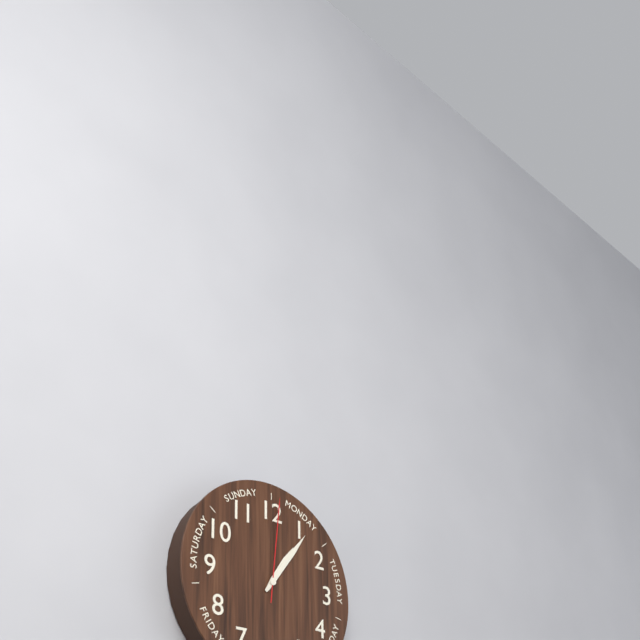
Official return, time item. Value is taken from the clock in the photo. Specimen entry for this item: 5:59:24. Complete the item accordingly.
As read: 1:06:01
